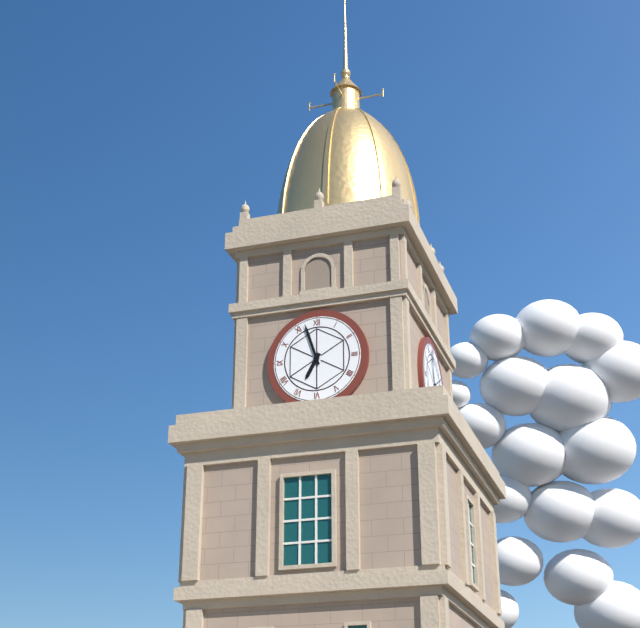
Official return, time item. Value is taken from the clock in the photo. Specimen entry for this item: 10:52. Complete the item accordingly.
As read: 6:57
